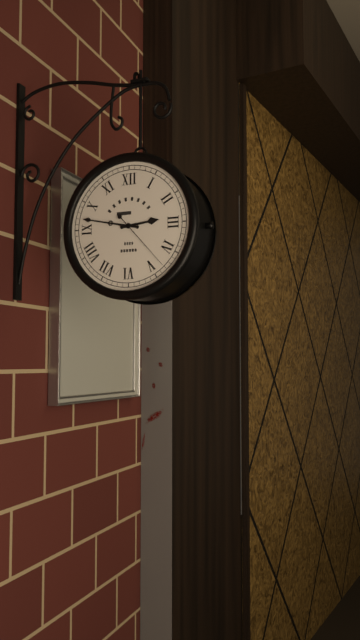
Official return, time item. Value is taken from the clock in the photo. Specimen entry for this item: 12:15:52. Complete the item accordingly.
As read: 2:47:23
